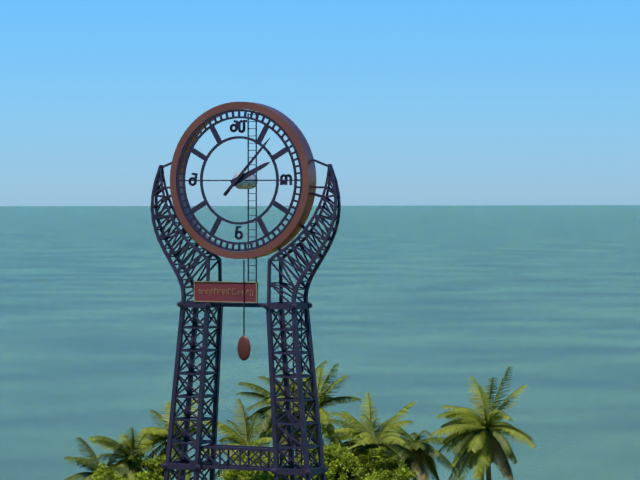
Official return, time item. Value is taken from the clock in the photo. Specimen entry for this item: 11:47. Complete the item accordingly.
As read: 2:07
